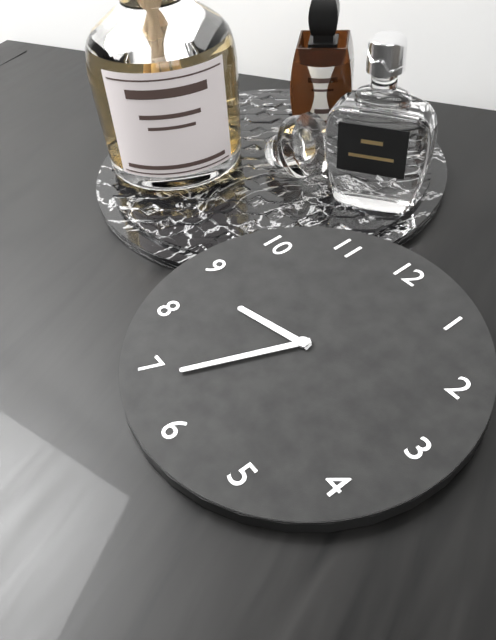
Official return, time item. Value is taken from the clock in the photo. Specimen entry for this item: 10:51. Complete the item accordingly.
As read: 8:34
